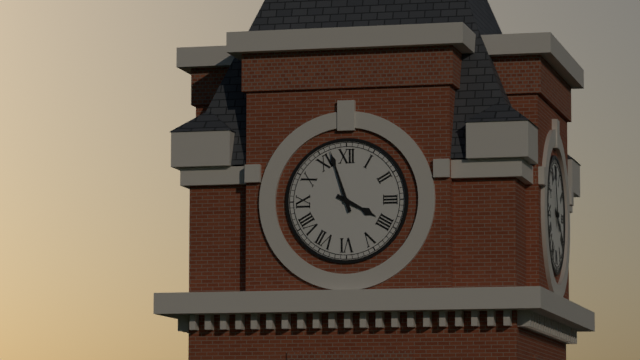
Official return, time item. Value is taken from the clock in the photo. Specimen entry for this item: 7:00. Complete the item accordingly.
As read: 3:57
